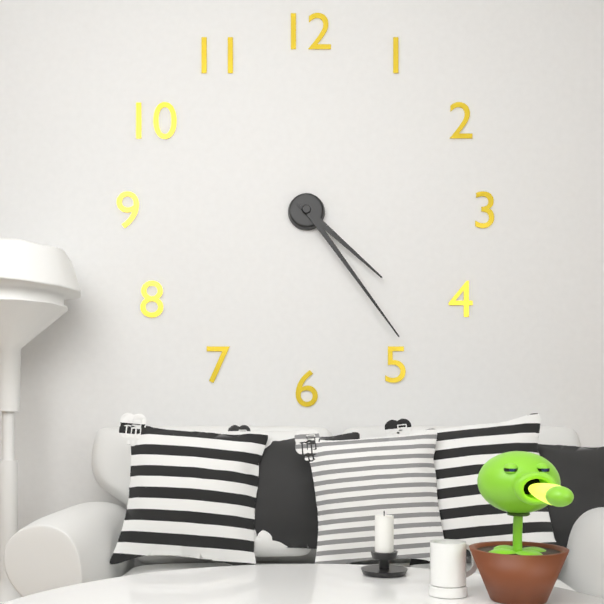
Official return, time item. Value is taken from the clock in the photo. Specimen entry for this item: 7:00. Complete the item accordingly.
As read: 4:24
